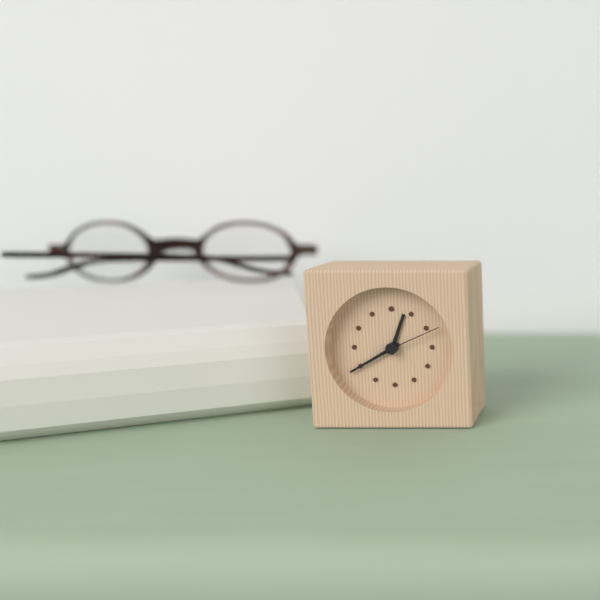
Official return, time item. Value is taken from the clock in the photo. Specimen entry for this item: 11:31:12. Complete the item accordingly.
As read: 12:40:11
